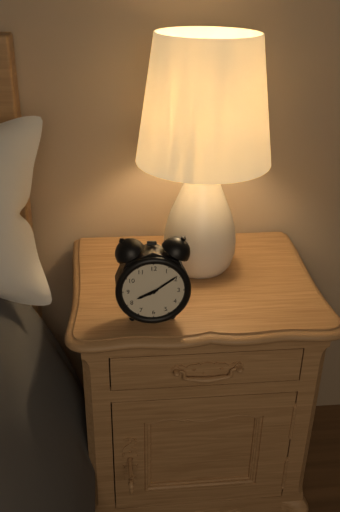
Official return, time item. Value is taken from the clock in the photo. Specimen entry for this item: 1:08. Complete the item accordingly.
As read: 8:09
